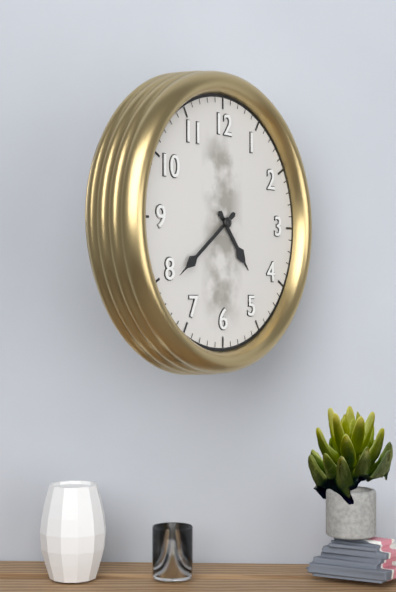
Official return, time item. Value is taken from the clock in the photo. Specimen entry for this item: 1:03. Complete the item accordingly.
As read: 4:39
